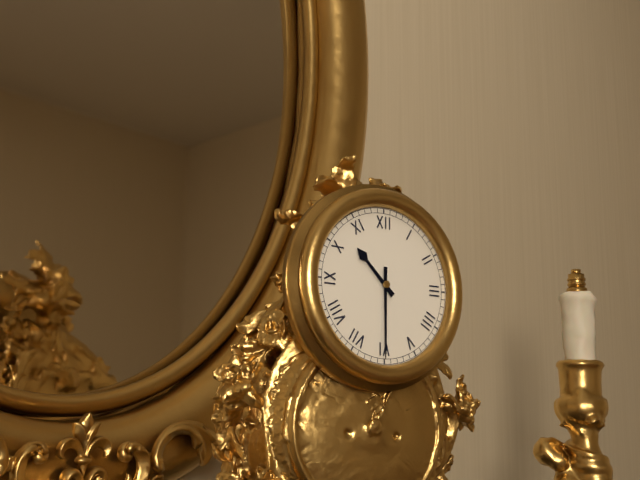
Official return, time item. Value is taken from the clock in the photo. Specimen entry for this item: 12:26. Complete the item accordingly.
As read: 10:30
